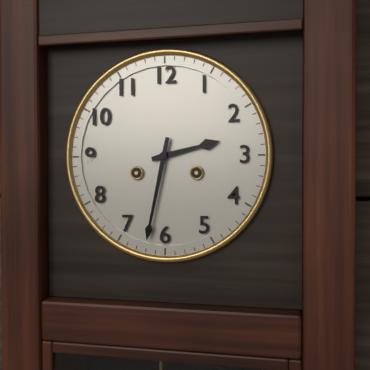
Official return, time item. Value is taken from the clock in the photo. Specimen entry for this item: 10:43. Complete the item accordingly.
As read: 2:32
